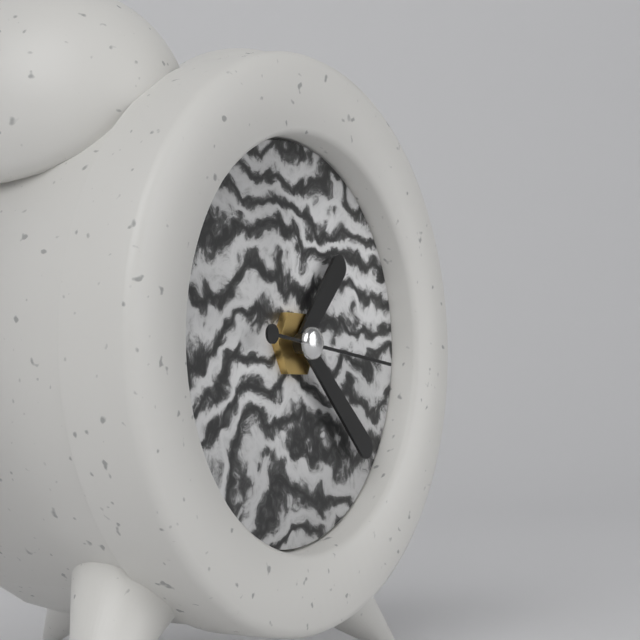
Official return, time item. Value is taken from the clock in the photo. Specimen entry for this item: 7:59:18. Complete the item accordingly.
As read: 1:22:16
